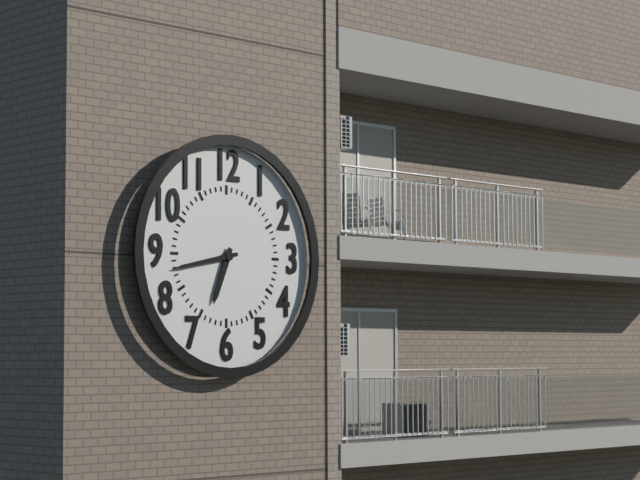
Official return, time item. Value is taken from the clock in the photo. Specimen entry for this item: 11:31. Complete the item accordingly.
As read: 6:43
